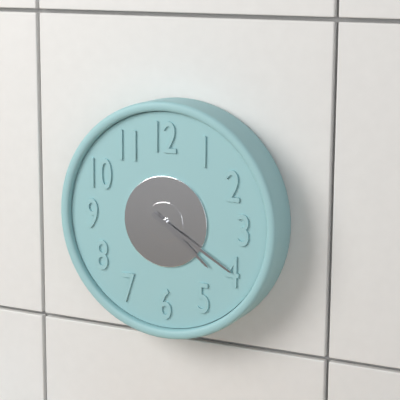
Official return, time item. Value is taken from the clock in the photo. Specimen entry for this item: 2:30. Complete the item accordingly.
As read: 4:20
